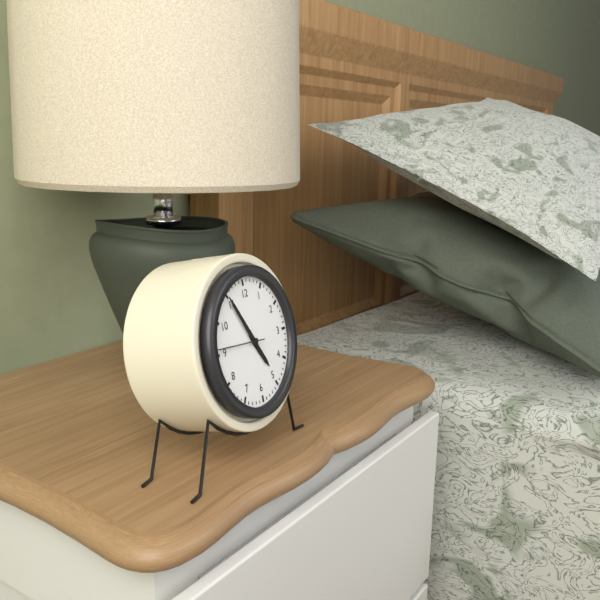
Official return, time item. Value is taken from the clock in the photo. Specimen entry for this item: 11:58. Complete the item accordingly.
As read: 4:55
